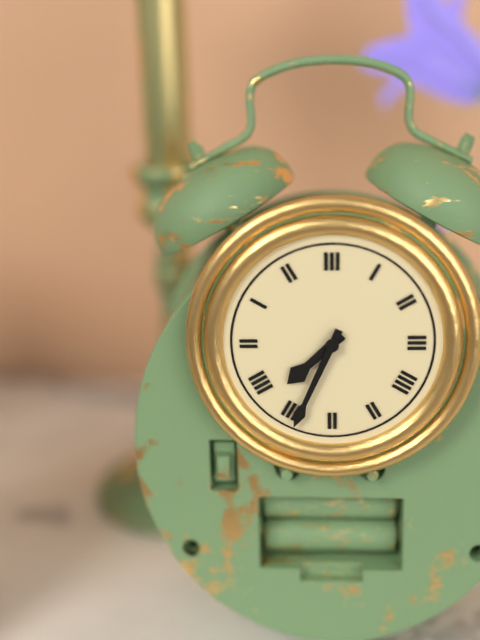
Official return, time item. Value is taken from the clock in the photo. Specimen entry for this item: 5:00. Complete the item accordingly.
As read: 7:34
